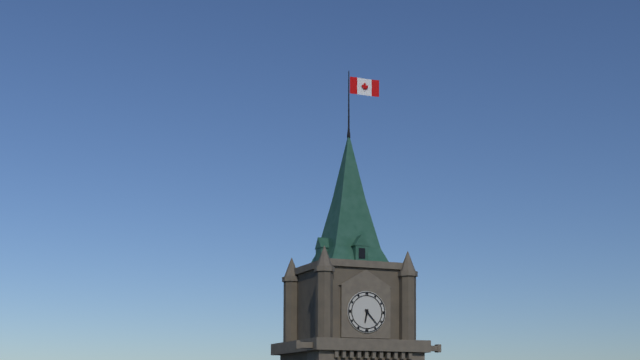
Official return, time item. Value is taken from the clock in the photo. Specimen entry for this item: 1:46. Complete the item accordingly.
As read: 6:23
